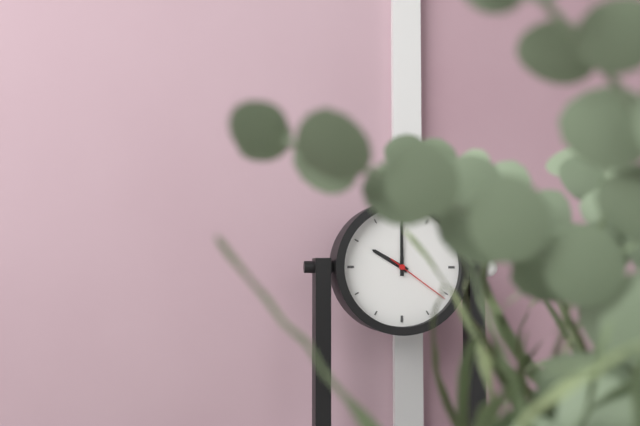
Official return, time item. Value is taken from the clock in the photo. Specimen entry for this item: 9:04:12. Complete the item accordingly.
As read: 10:00:21
